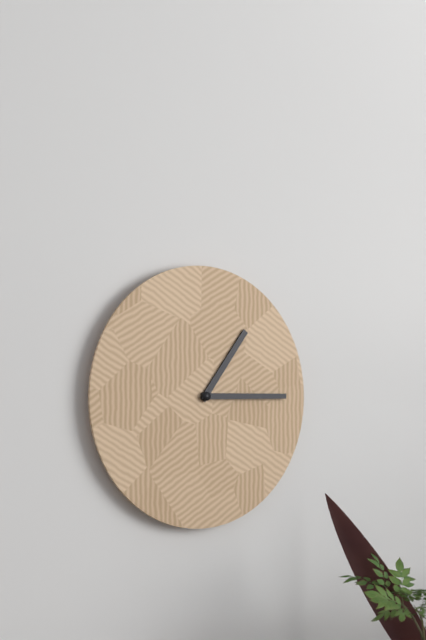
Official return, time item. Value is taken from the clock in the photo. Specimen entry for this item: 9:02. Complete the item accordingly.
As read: 1:15
